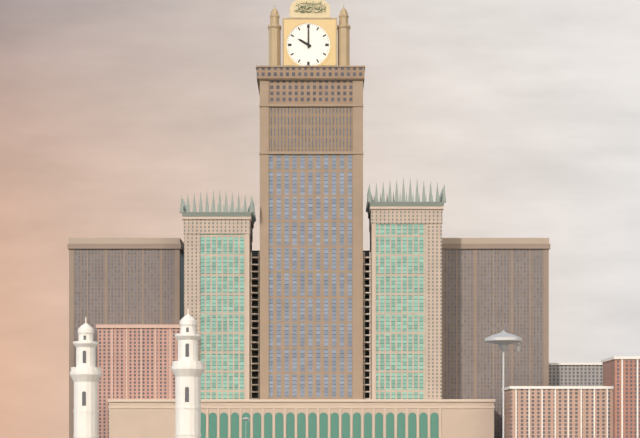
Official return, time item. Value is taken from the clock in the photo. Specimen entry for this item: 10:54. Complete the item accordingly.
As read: 10:00
